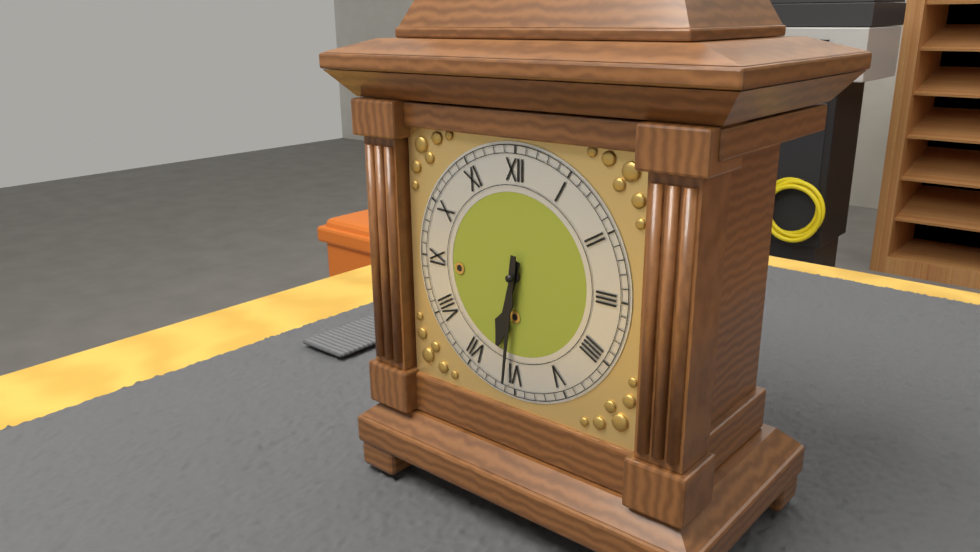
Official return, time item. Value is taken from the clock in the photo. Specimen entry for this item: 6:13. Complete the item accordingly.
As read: 6:31
